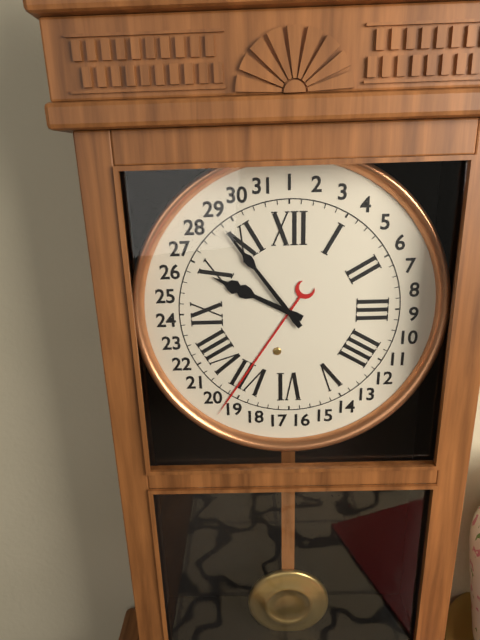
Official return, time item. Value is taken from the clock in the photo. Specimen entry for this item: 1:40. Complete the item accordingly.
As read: 9:54
